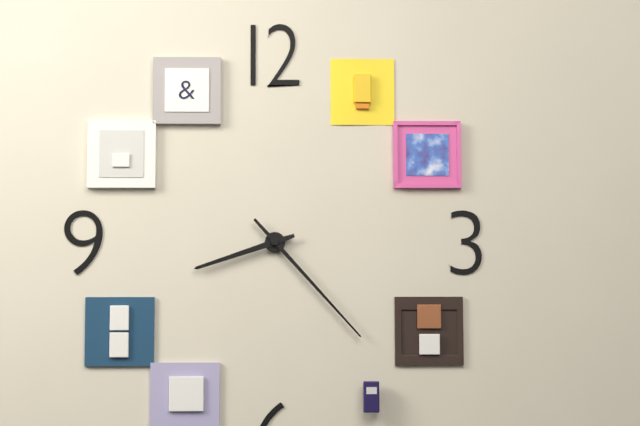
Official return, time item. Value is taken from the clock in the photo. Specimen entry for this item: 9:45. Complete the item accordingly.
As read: 8:23
